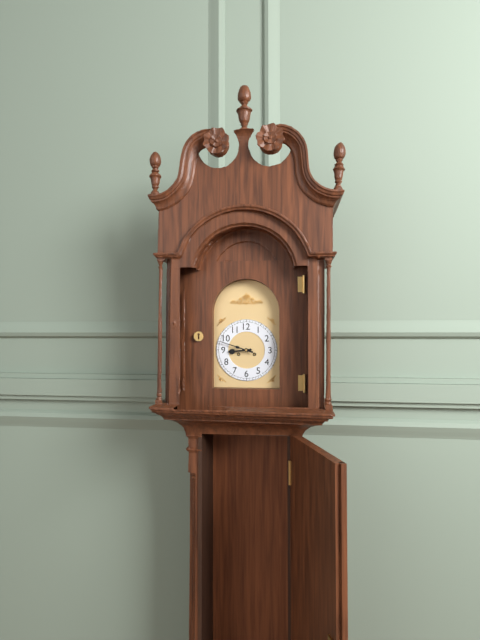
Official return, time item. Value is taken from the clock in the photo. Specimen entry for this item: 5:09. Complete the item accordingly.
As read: 8:48
